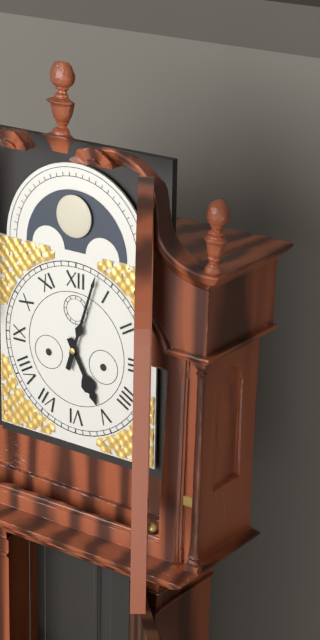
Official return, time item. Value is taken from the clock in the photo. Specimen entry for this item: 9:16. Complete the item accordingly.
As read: 5:03
